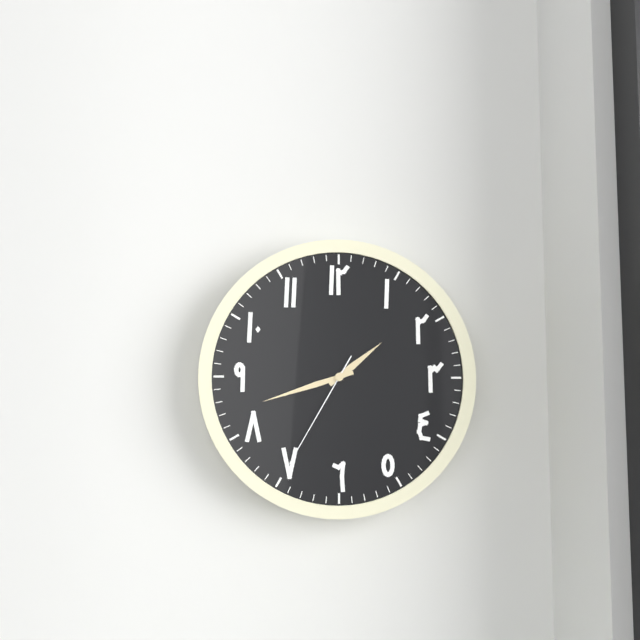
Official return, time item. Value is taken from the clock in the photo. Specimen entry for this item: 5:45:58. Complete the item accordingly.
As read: 1:42:35
